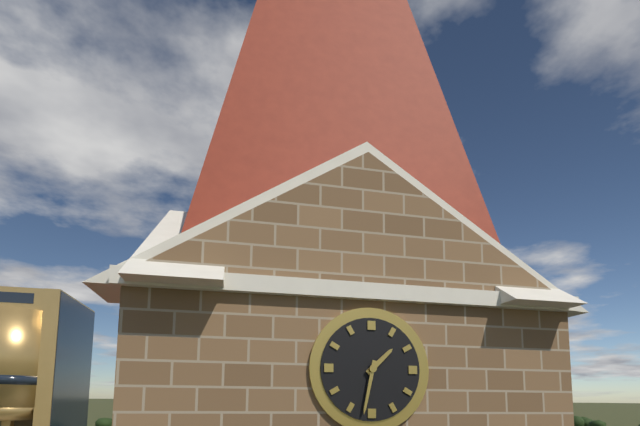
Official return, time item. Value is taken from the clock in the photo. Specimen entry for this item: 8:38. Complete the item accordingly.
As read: 1:32
